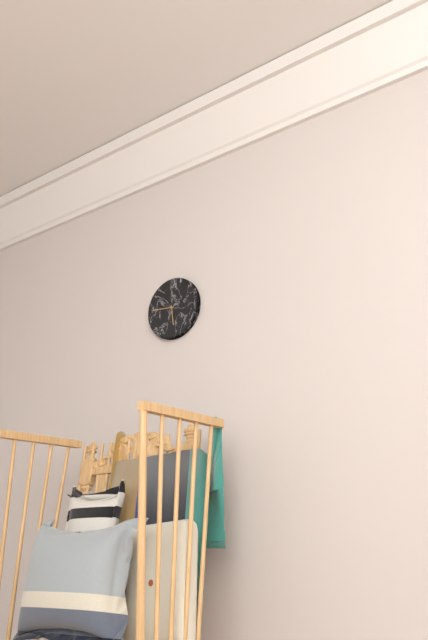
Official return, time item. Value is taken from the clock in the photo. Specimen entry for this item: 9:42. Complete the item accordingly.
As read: 5:46
